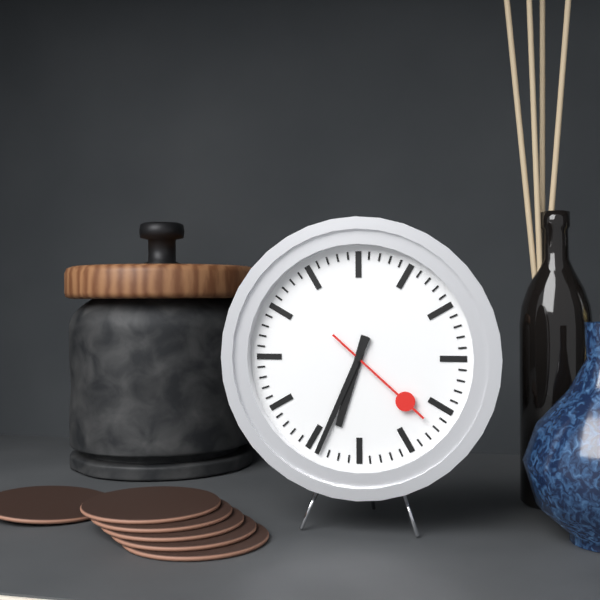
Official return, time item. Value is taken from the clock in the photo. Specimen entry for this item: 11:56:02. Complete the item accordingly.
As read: 6:34:22
